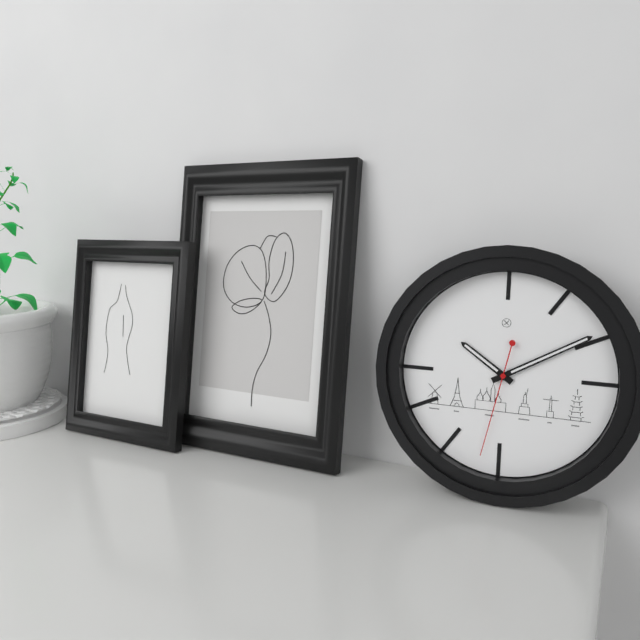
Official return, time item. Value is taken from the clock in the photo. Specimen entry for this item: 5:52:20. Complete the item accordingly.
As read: 10:10:32
